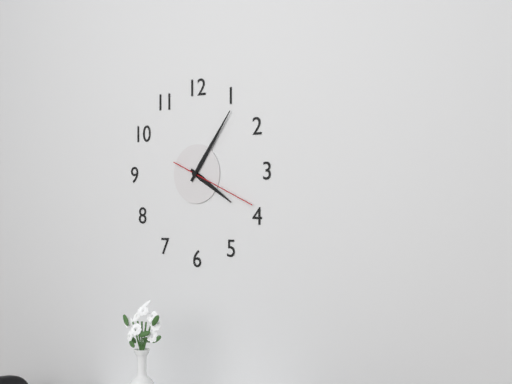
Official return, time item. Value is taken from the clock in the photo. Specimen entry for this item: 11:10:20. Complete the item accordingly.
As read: 4:06:19
